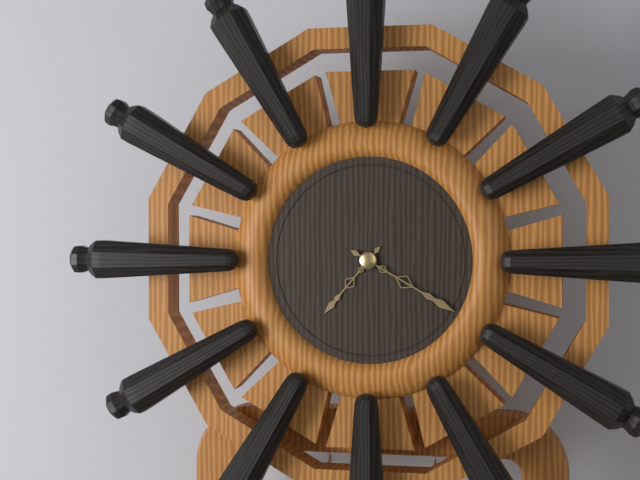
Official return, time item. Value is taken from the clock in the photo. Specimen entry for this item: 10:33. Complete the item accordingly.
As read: 7:20
